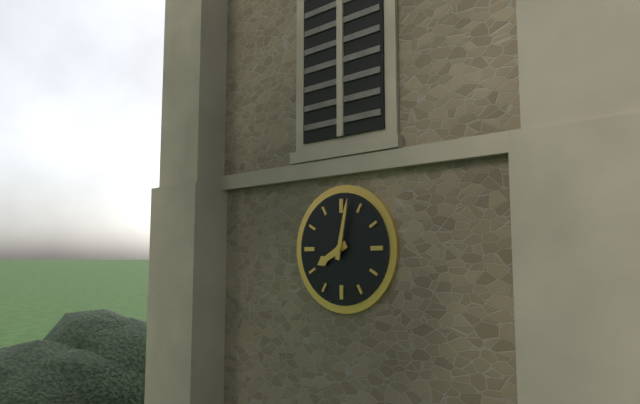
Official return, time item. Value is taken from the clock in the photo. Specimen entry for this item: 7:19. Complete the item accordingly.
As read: 8:02
